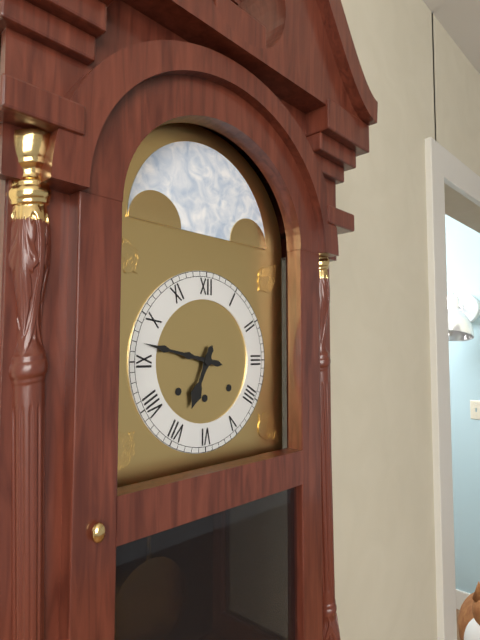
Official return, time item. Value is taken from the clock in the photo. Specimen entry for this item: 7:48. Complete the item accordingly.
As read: 6:47
